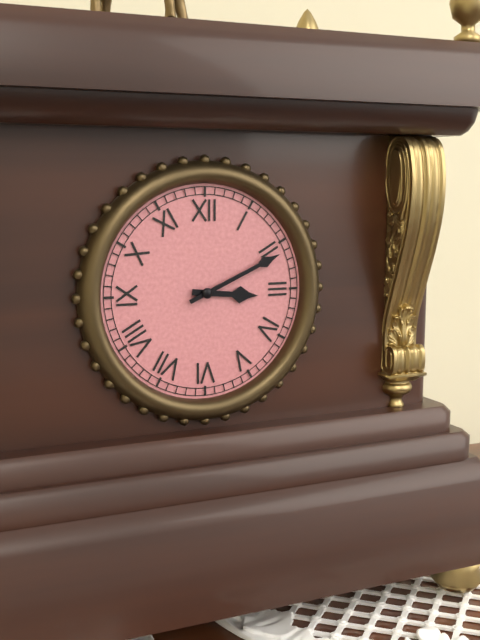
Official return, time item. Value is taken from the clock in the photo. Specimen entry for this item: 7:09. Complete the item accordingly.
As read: 3:11
